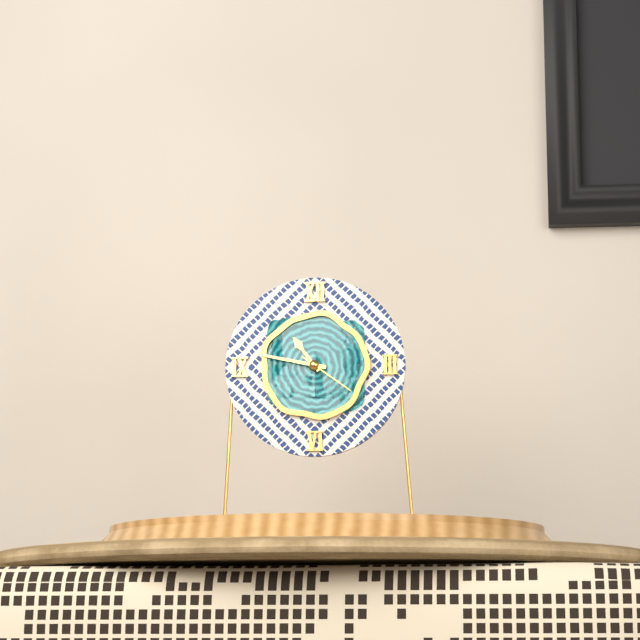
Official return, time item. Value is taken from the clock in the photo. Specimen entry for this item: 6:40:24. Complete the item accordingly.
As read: 10:47:21
